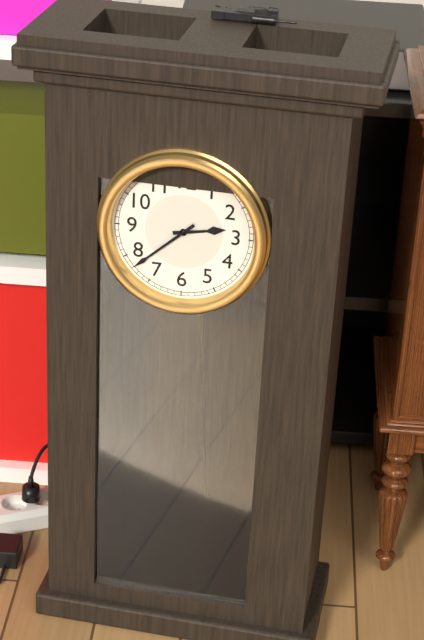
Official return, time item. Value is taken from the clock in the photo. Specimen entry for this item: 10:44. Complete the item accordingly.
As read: 2:38
